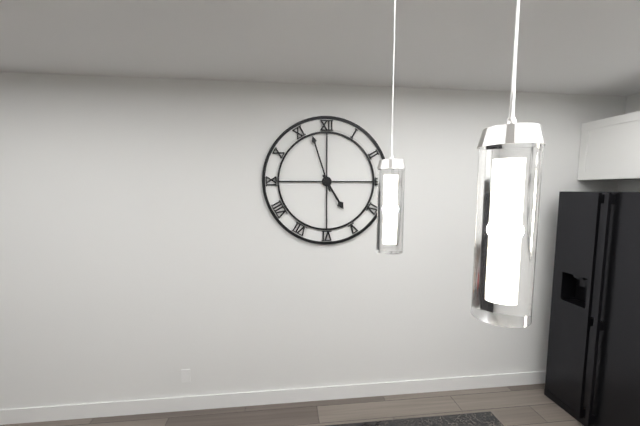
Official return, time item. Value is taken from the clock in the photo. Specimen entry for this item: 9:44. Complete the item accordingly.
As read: 4:57
